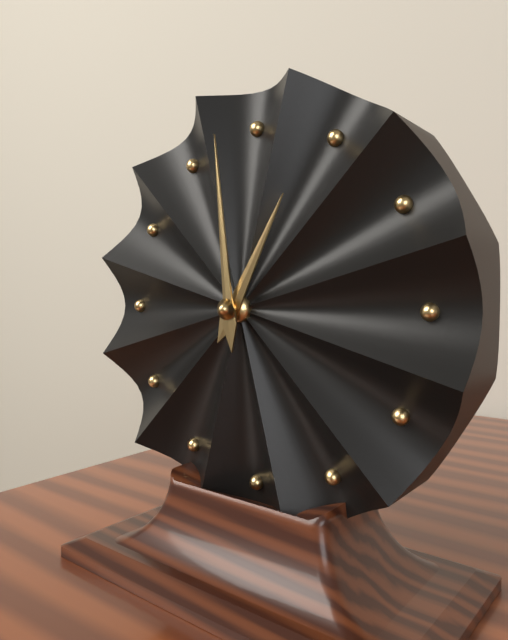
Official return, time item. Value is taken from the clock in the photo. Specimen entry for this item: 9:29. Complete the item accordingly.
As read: 12:59
